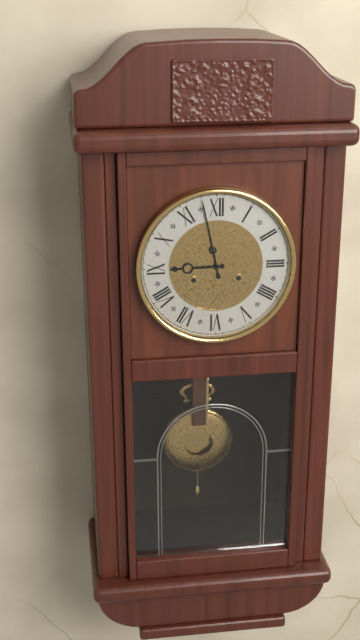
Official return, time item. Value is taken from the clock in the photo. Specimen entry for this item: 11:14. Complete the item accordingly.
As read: 8:58
